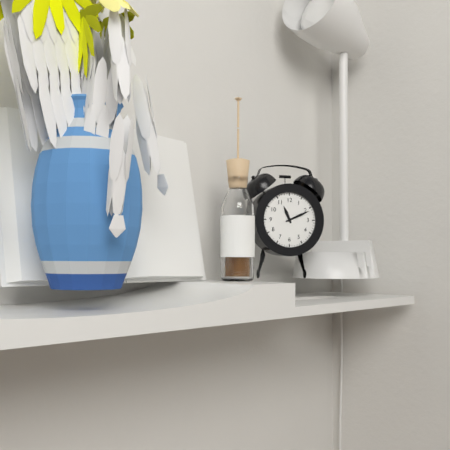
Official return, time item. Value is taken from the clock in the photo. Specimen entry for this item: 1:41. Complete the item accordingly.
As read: 11:11
